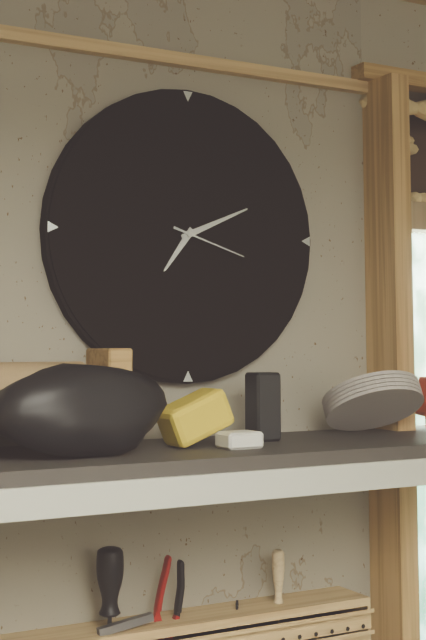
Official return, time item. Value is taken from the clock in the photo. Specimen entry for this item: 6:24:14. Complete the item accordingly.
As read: 7:11:18
